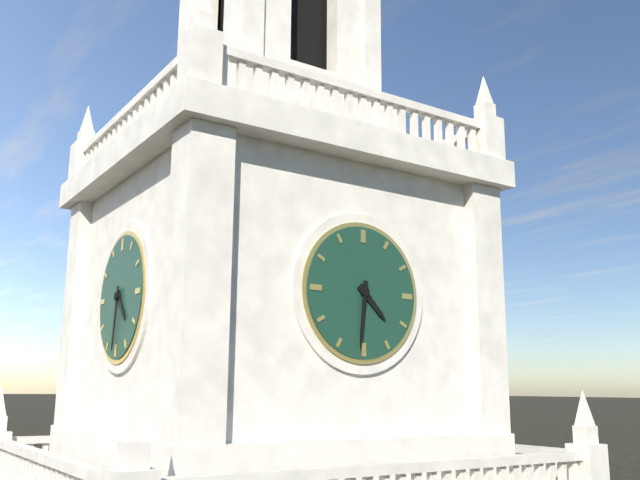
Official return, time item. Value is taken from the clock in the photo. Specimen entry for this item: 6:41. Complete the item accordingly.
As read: 4:31
